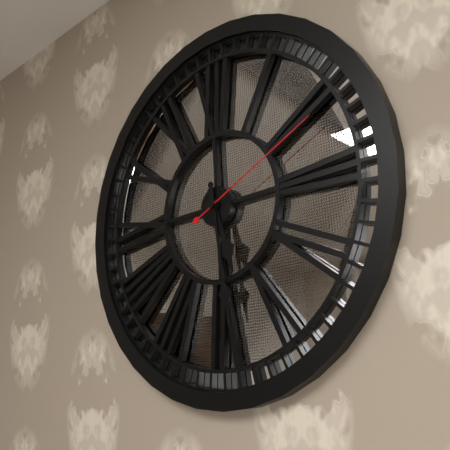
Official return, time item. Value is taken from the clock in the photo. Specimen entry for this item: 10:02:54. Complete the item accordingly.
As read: 5:29:11
